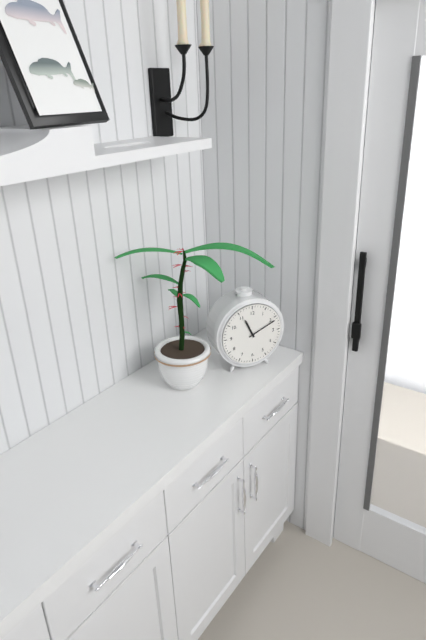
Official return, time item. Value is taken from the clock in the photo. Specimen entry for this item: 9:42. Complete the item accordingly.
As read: 11:11
